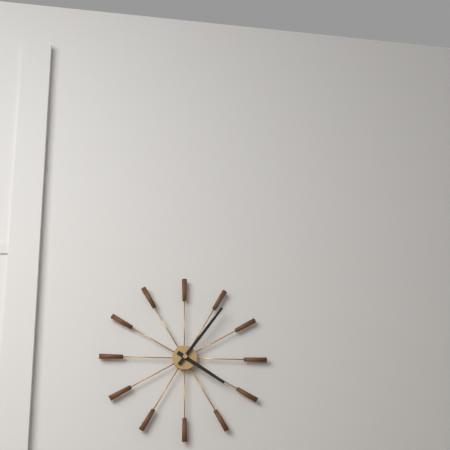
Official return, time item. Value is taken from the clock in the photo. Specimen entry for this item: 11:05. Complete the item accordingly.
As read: 4:06
